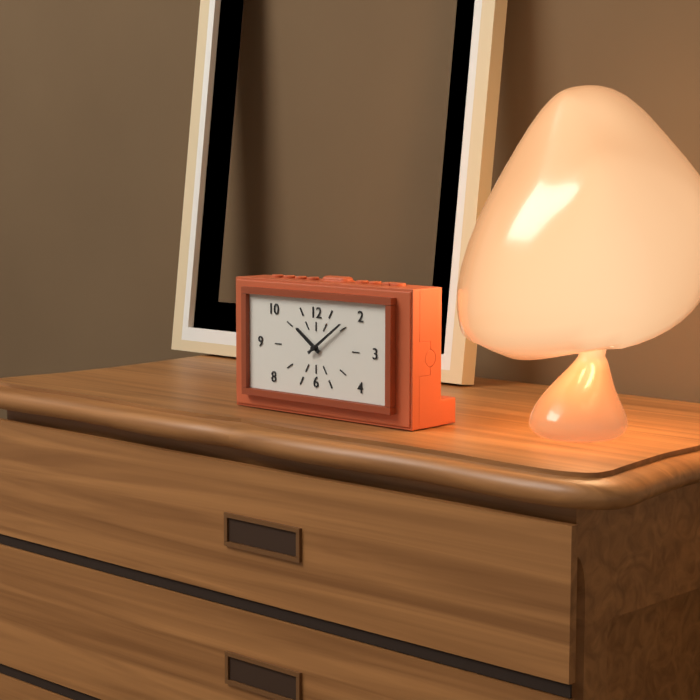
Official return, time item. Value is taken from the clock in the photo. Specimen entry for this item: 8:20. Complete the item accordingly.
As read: 10:09
